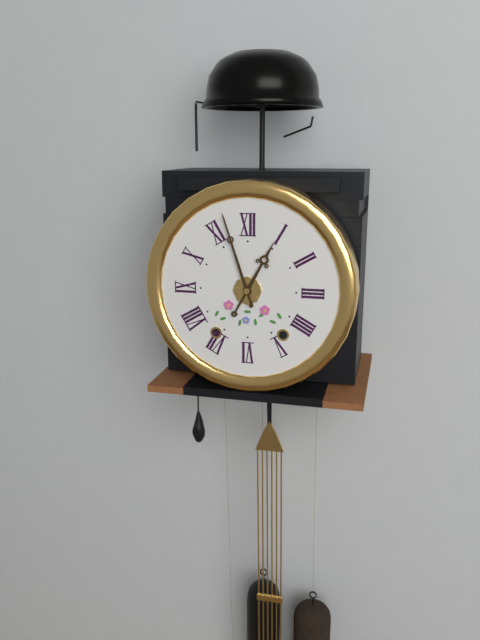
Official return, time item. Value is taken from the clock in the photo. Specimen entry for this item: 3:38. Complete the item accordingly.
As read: 12:57
